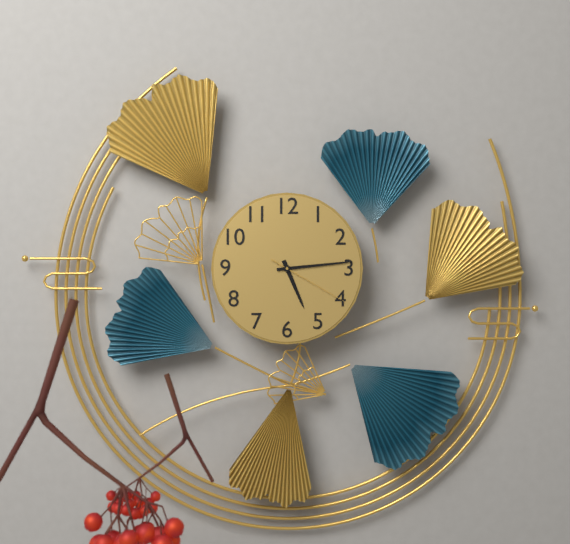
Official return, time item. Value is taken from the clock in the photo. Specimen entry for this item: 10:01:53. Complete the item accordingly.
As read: 5:14:20
